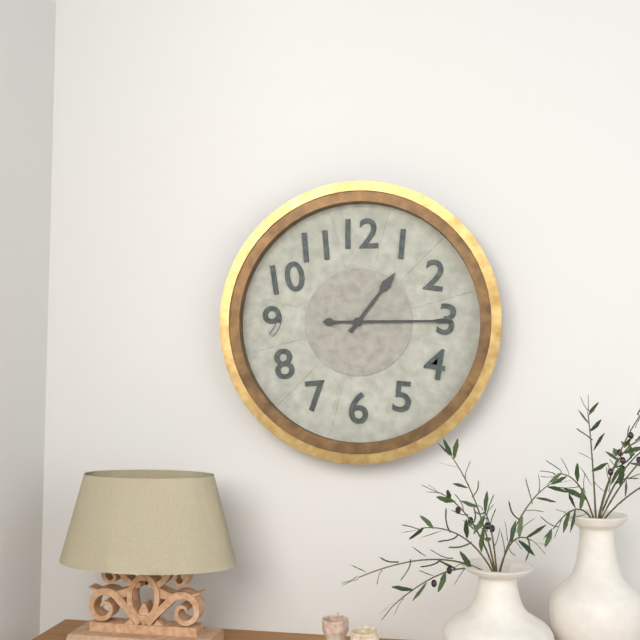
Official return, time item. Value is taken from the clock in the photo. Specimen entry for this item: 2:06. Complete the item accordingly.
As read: 1:15
